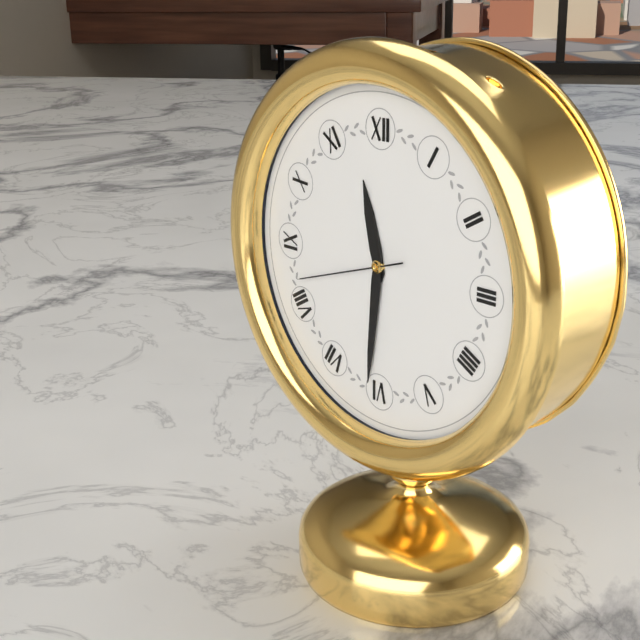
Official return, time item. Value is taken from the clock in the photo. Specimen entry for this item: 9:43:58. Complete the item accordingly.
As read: 11:31:42
